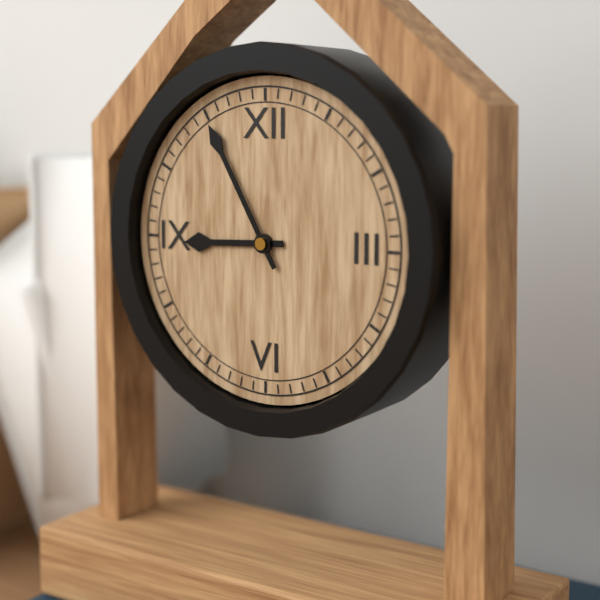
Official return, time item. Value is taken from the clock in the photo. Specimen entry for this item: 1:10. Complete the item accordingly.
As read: 8:55
